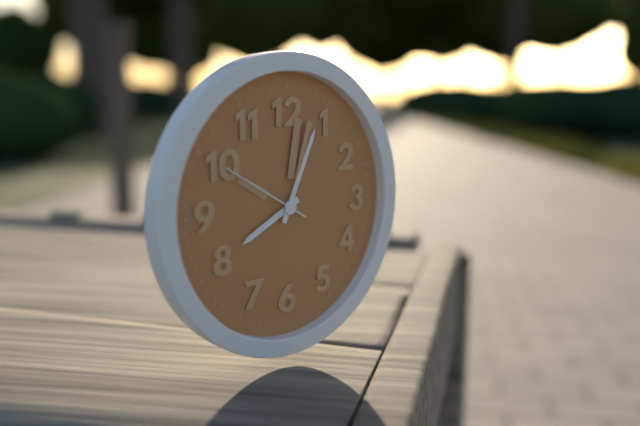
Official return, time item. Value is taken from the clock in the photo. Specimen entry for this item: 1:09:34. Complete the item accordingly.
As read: 8:04:50
